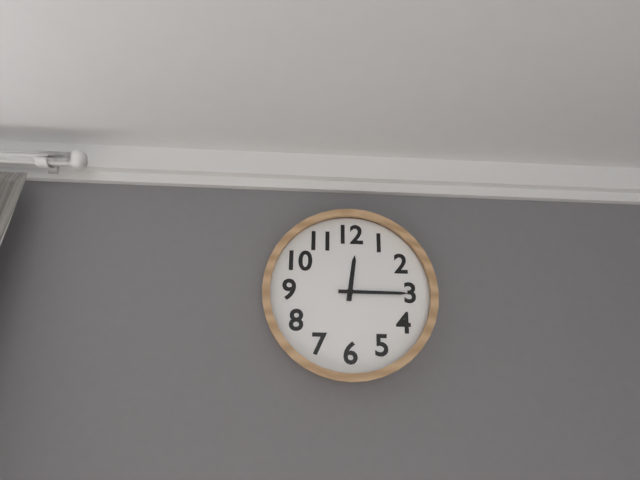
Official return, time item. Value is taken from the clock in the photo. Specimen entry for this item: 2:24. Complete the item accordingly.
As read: 12:15
